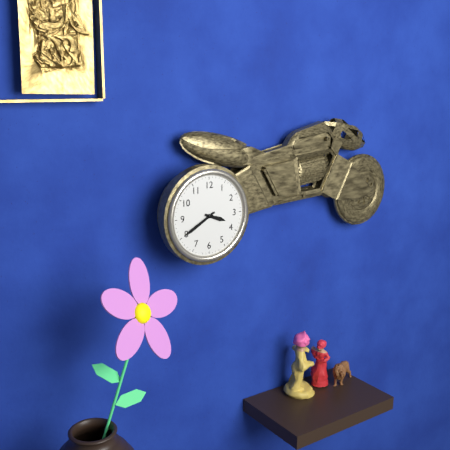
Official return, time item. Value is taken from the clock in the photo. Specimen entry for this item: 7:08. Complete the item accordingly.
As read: 3:40
